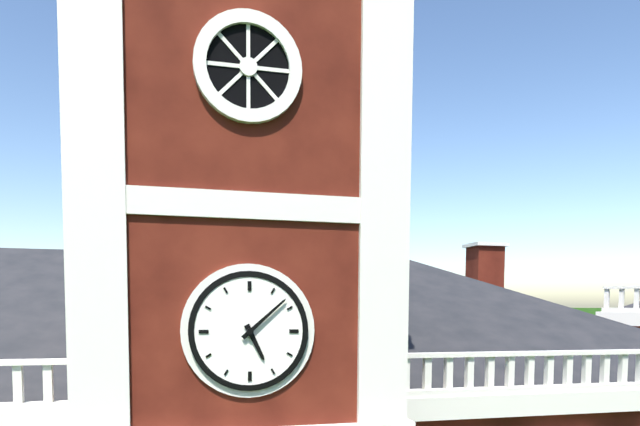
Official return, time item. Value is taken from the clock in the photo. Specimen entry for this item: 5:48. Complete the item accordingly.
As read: 5:08
